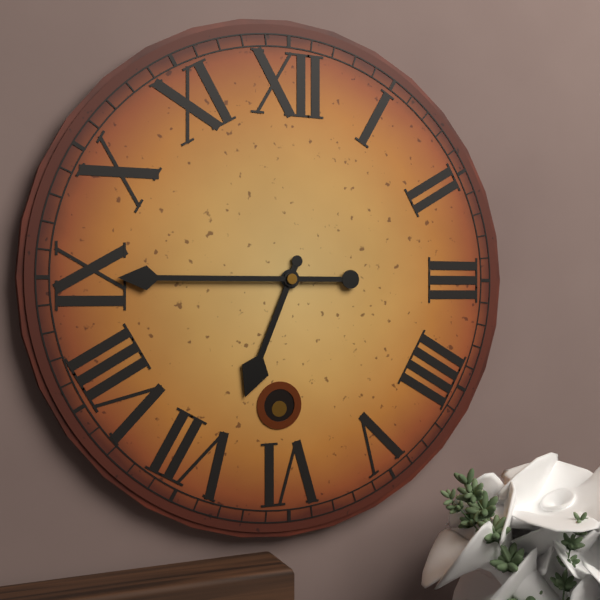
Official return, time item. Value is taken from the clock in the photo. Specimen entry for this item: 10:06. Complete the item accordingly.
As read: 6:45
